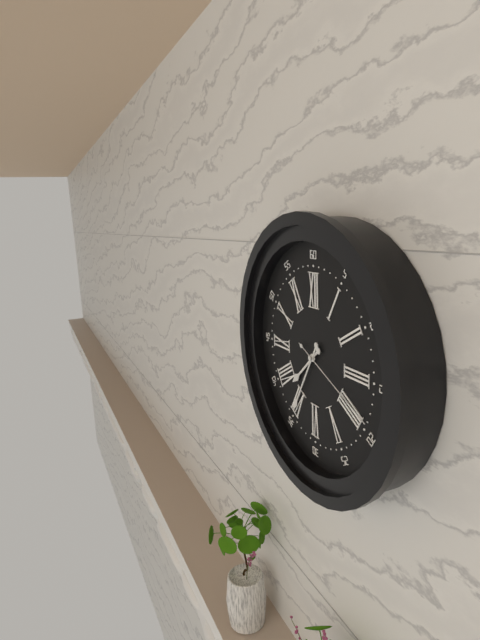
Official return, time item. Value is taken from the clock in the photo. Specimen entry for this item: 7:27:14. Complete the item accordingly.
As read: 7:35:19
